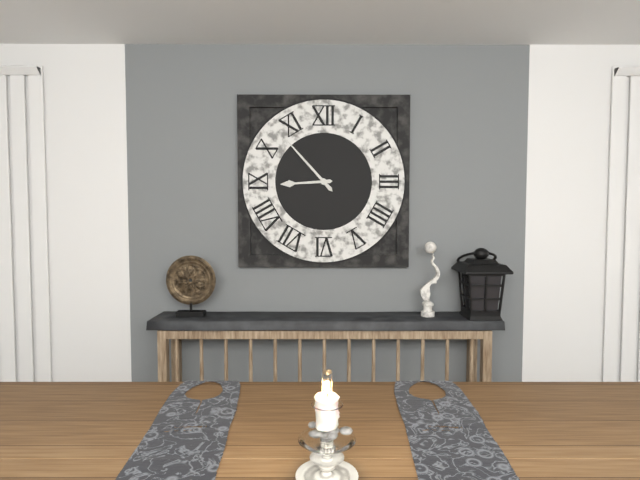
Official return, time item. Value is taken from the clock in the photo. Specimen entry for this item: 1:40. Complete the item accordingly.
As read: 8:53
